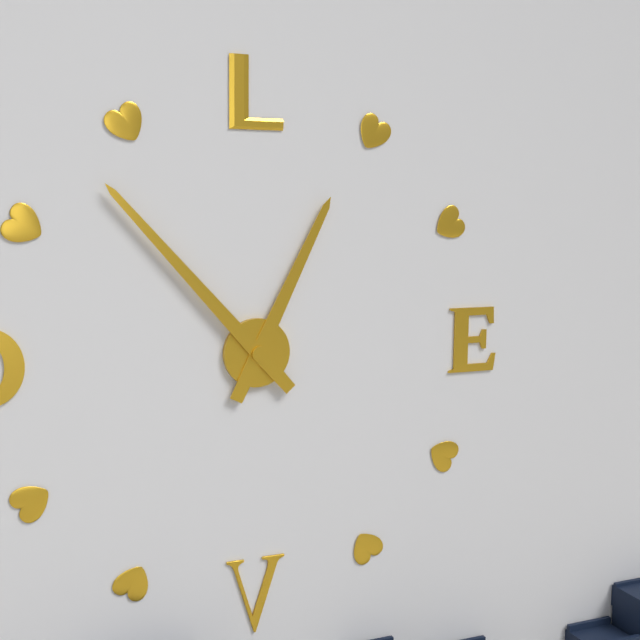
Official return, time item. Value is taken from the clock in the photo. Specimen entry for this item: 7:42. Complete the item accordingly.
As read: 12:53
